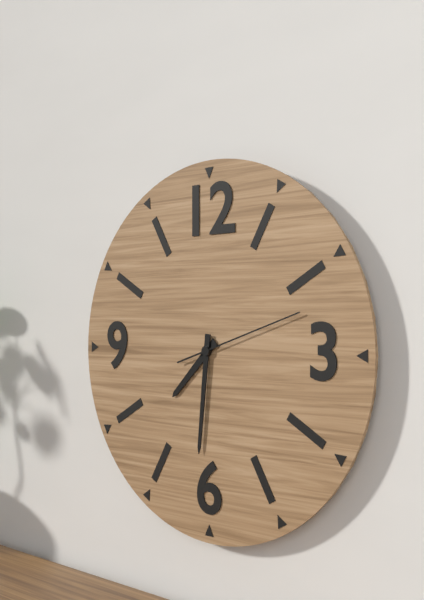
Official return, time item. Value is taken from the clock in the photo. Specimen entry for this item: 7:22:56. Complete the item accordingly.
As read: 7:31:12
